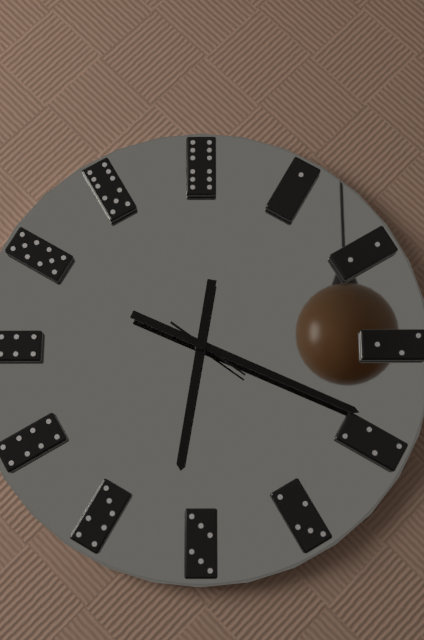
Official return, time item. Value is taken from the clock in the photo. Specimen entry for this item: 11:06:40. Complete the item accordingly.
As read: 6:19:21
